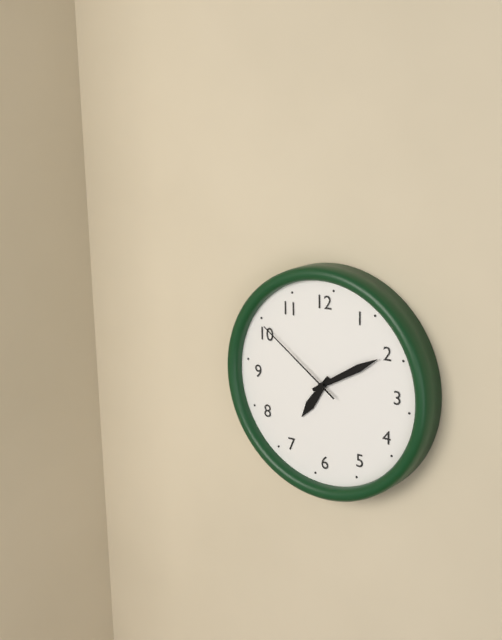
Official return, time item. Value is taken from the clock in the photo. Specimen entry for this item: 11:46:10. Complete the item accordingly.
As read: 7:10:51
